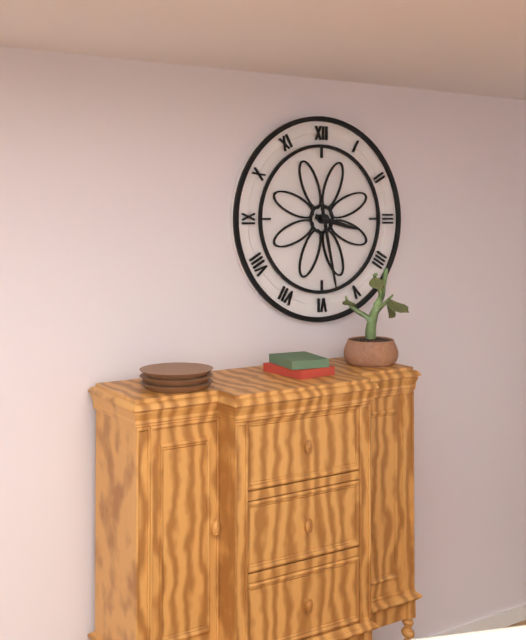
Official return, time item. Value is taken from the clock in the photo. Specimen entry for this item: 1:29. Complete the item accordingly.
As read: 3:28
